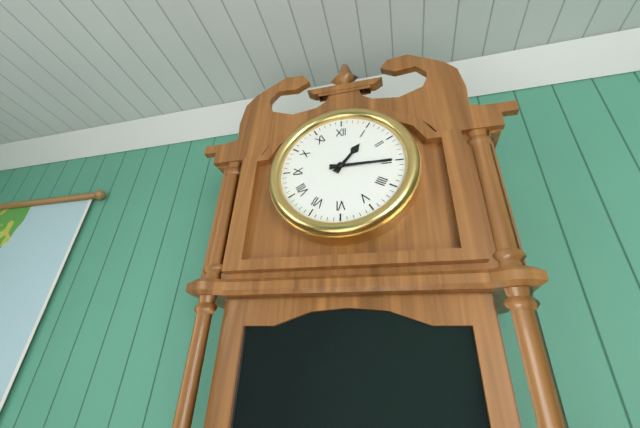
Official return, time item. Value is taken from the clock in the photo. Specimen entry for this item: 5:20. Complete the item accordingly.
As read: 1:15
